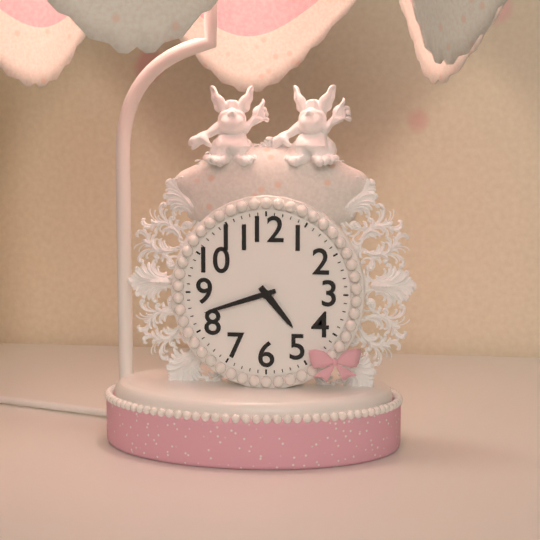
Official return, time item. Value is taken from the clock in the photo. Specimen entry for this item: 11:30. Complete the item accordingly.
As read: 4:42
